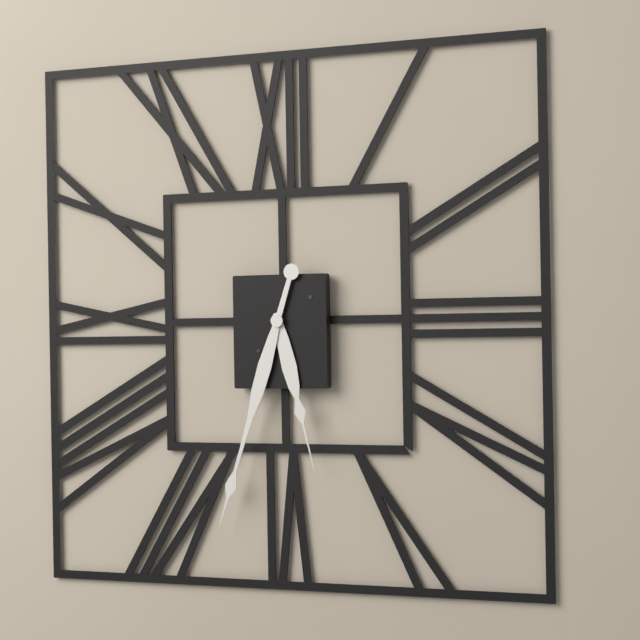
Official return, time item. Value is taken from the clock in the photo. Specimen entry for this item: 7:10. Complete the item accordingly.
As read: 5:33
